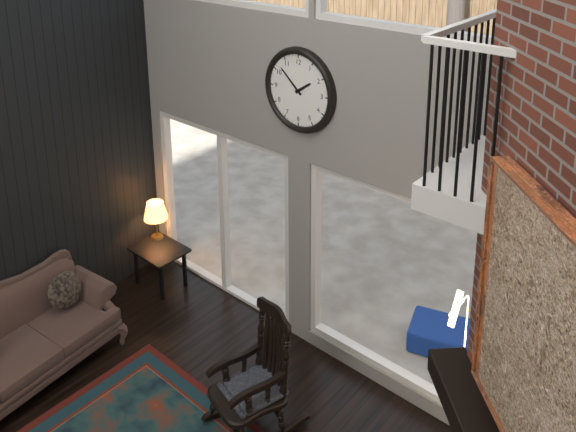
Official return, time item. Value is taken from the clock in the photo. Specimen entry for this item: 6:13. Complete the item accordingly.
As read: 1:52
